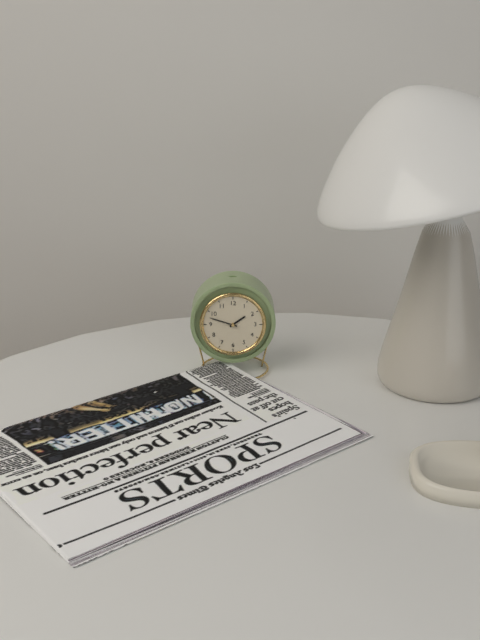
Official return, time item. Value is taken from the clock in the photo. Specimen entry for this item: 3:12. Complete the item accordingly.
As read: 1:48
